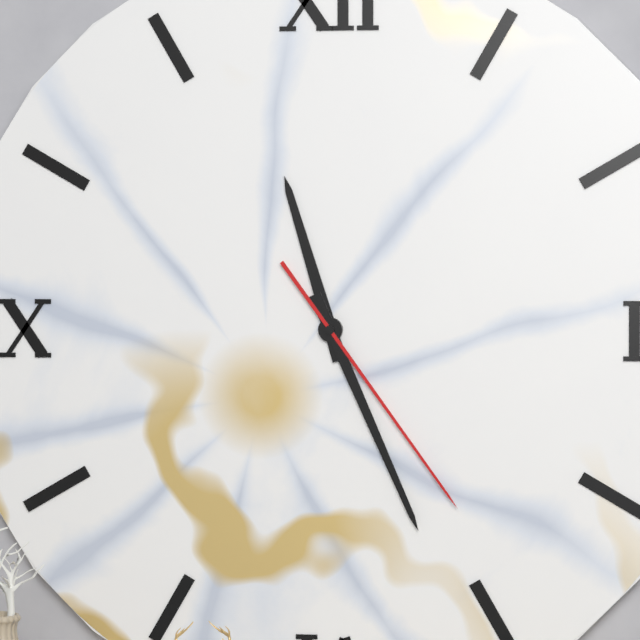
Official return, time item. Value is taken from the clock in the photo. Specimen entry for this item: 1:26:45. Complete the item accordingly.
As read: 11:26:24
